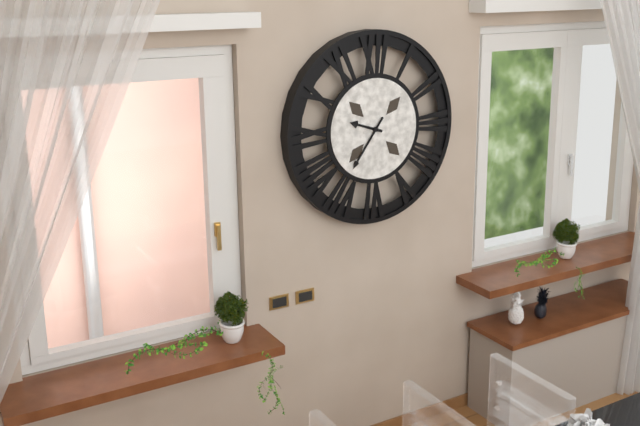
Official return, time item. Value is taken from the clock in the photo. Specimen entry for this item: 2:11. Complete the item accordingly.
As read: 9:36
